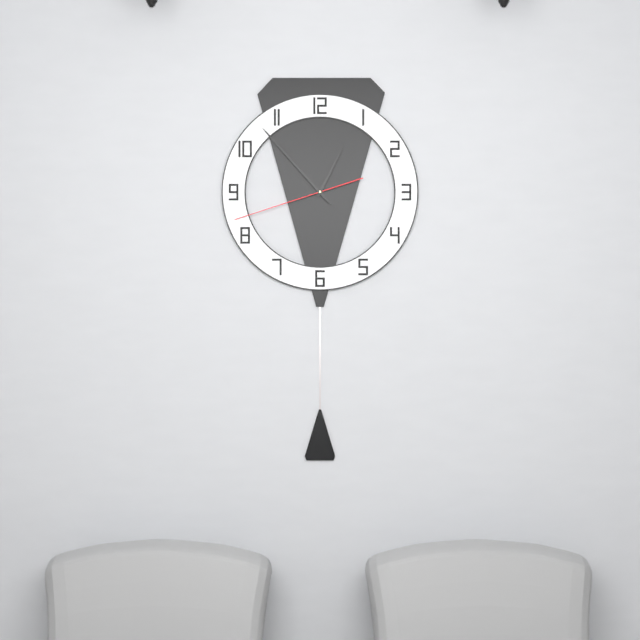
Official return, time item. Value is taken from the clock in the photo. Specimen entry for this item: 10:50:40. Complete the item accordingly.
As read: 12:53:42
